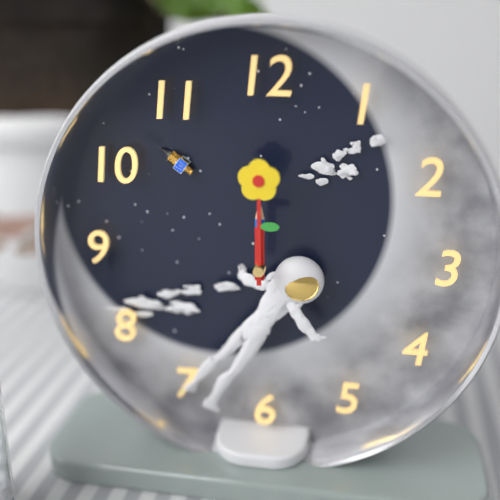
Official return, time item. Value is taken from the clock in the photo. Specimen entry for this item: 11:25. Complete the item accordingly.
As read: 12:00
